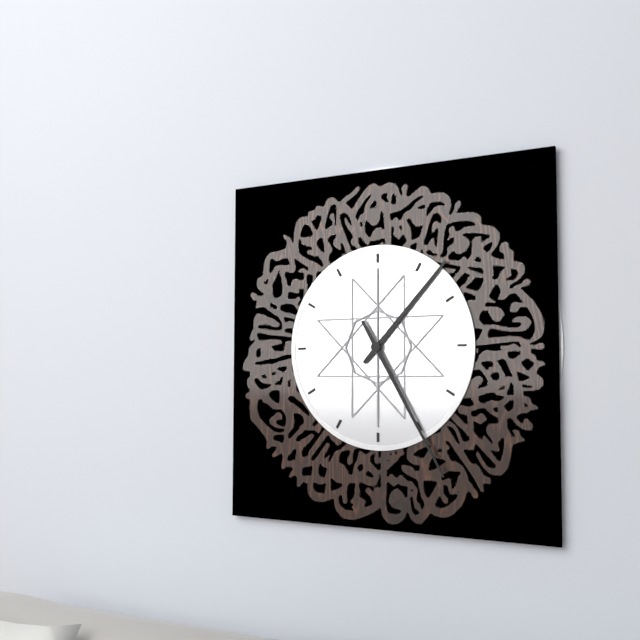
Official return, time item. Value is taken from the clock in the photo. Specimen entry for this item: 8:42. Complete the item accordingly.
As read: 1:25
